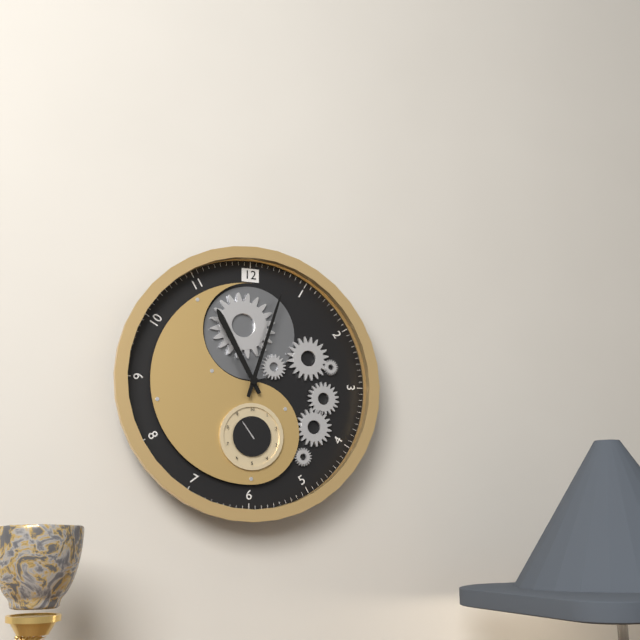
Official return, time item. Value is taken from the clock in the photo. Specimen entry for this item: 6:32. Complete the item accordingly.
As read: 11:03
